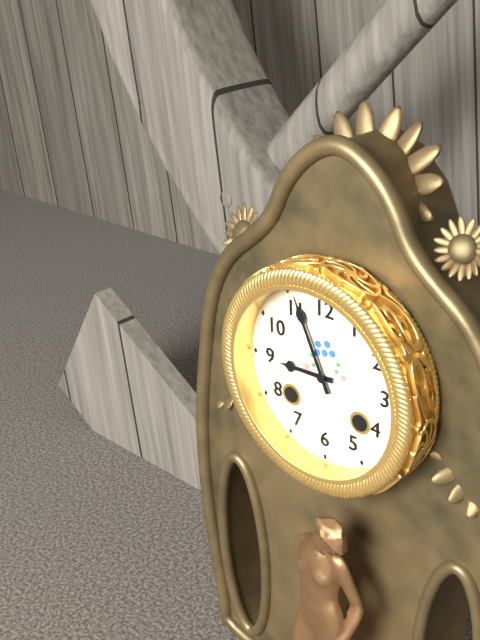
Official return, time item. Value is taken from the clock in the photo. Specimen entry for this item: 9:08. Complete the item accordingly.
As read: 8:56
